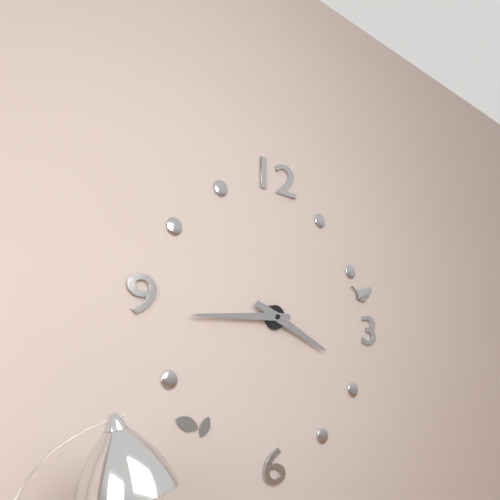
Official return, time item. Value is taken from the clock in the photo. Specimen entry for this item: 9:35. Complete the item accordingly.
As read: 3:44
